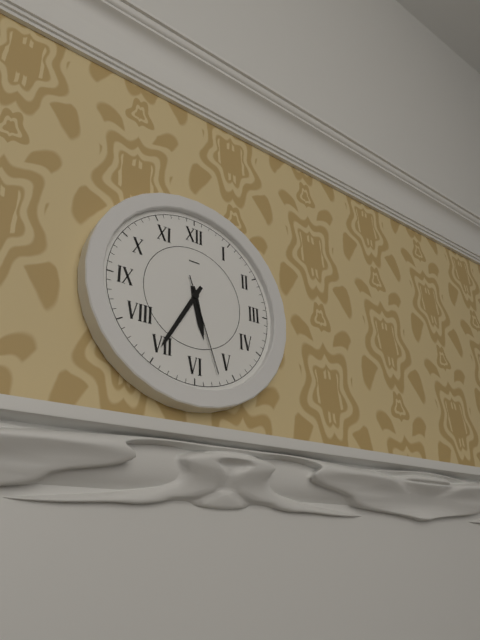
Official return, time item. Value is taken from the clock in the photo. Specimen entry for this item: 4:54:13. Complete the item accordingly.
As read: 5:35:27
